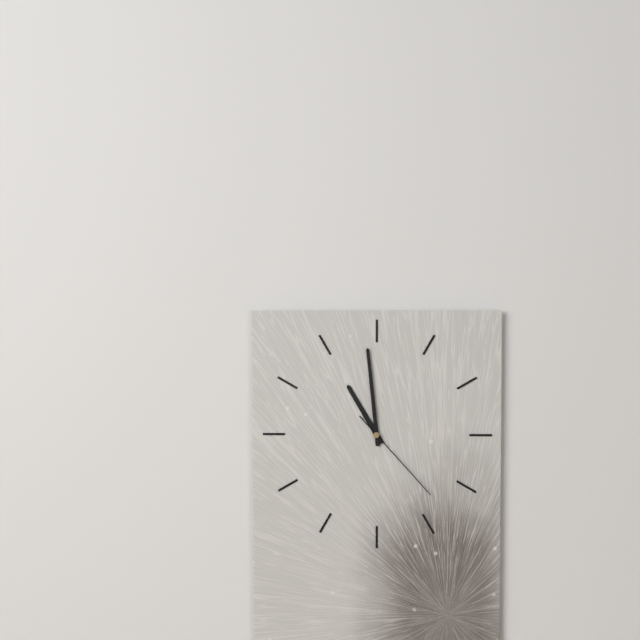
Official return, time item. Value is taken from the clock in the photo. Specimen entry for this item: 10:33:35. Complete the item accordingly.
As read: 10:59:23
